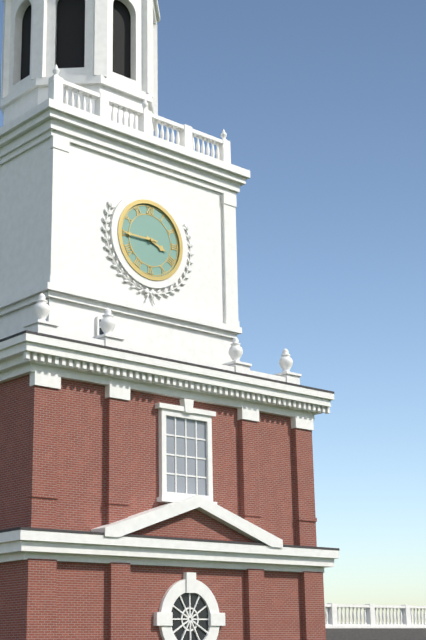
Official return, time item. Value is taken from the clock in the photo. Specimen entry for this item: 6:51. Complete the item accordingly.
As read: 3:45
